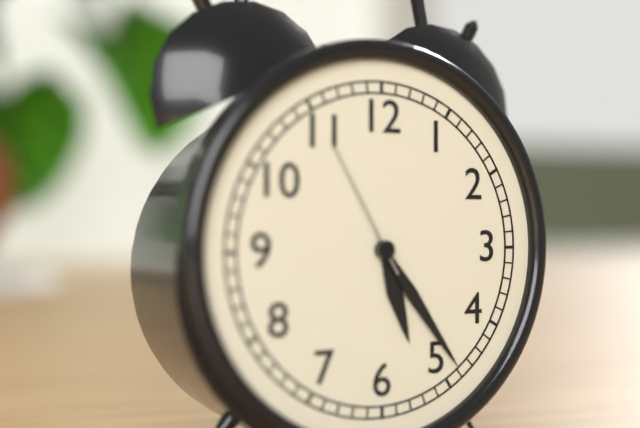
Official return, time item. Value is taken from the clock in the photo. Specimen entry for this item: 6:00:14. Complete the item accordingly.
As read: 5:24:55
